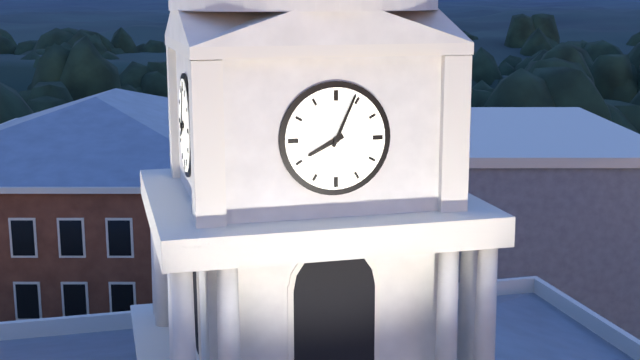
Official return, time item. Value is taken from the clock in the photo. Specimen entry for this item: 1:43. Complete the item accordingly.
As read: 8:04
